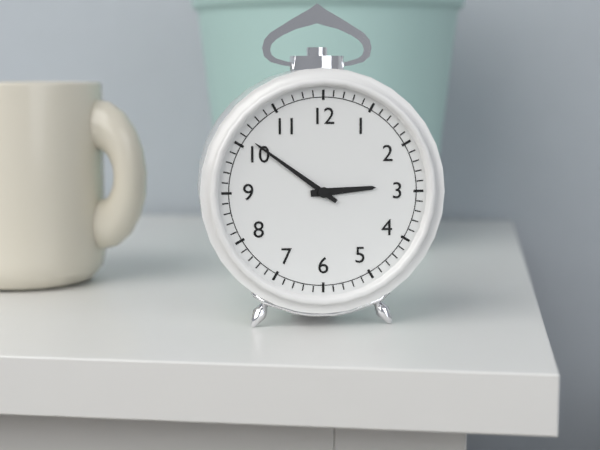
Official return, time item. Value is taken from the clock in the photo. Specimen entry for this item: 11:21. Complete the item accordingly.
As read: 2:51
